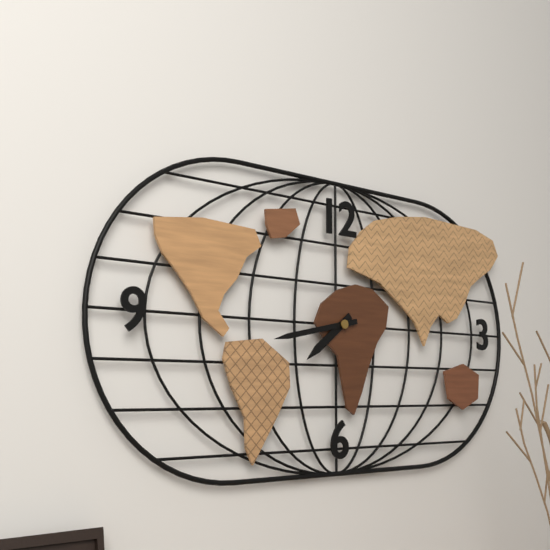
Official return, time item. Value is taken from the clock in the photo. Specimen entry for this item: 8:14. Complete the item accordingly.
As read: 7:43
